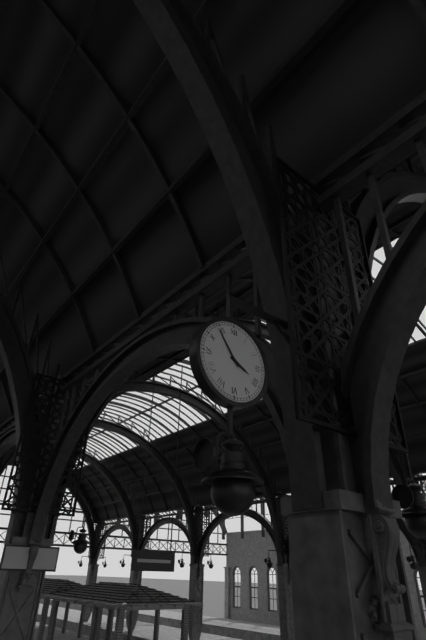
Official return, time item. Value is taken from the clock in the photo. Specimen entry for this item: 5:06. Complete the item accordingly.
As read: 3:54
